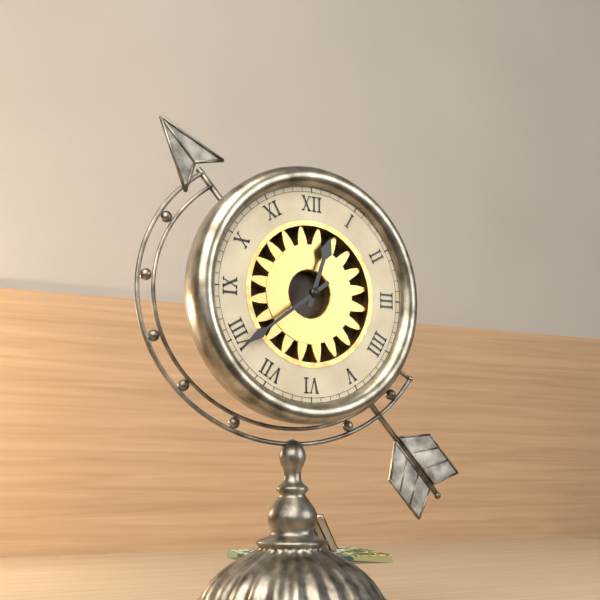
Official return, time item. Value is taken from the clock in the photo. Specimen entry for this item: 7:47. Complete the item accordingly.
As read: 12:39
